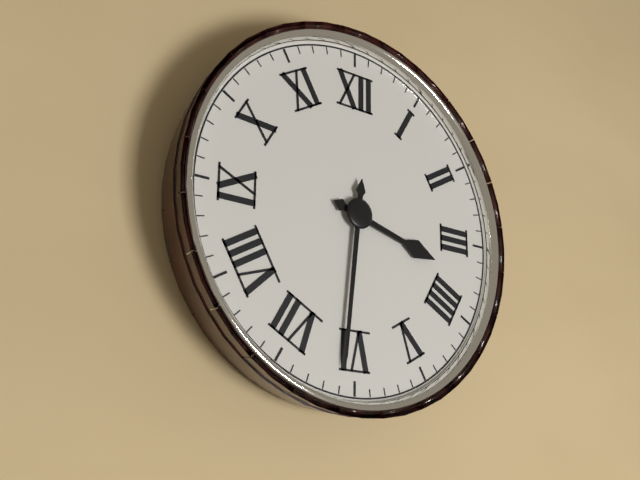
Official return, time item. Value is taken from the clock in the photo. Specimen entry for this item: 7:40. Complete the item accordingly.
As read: 3:31
